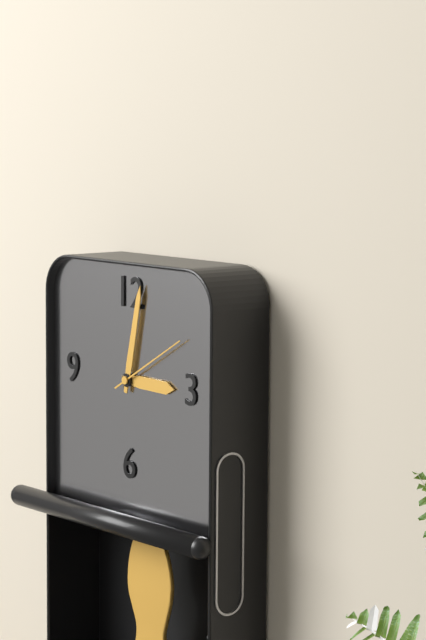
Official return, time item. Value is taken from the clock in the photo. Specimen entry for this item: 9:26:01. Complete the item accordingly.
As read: 3:02:10
